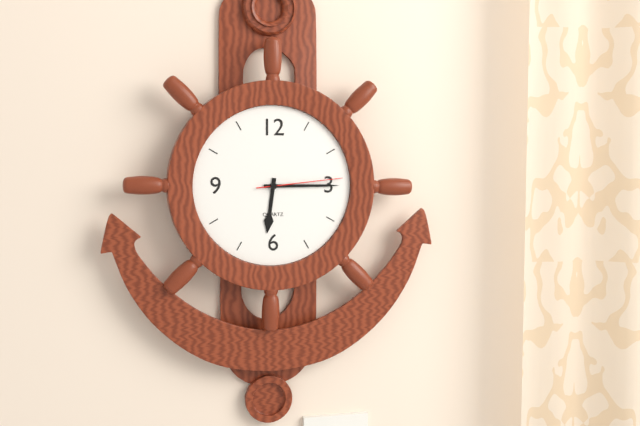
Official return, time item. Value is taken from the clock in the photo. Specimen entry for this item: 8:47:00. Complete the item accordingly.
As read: 6:15:14
